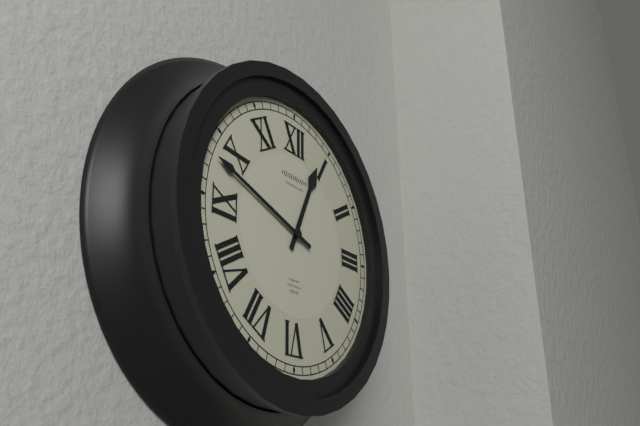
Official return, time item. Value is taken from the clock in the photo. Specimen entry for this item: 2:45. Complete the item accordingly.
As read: 12:48
